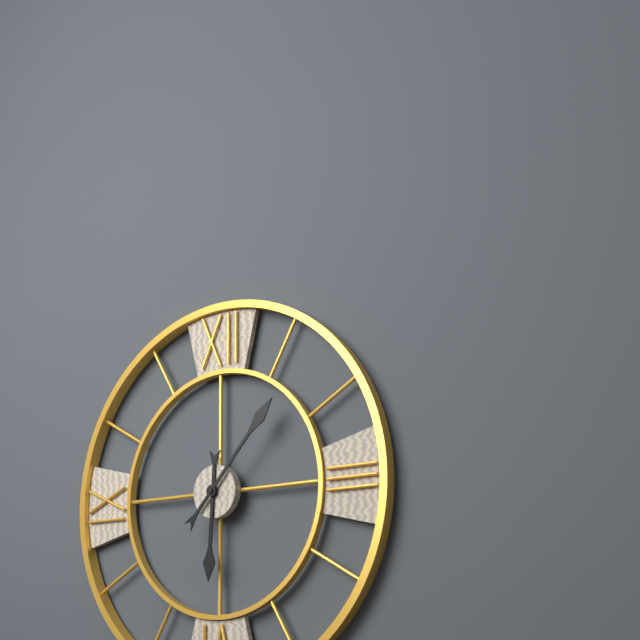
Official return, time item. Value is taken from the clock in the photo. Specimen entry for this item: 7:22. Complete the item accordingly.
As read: 6:07
